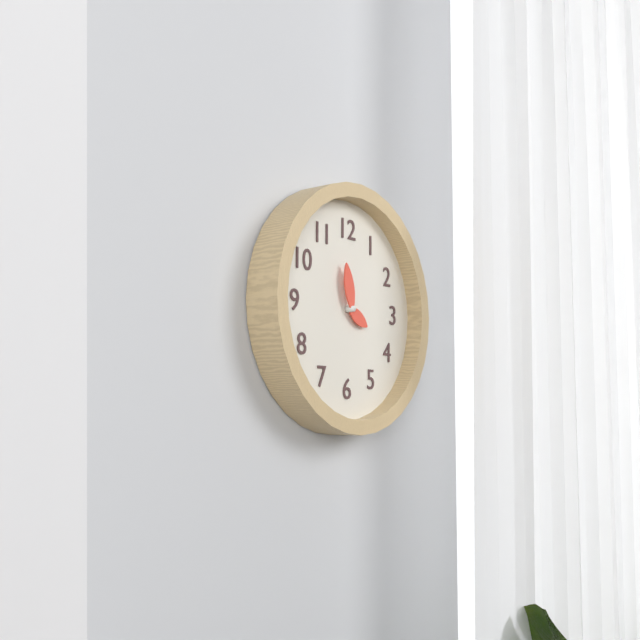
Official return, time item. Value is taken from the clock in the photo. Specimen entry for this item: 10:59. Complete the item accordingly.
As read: 3:58
